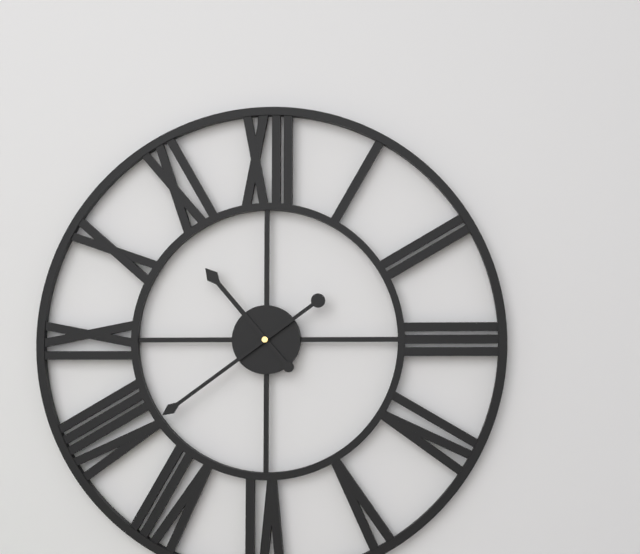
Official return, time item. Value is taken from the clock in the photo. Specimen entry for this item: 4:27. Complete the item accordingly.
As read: 10:39
